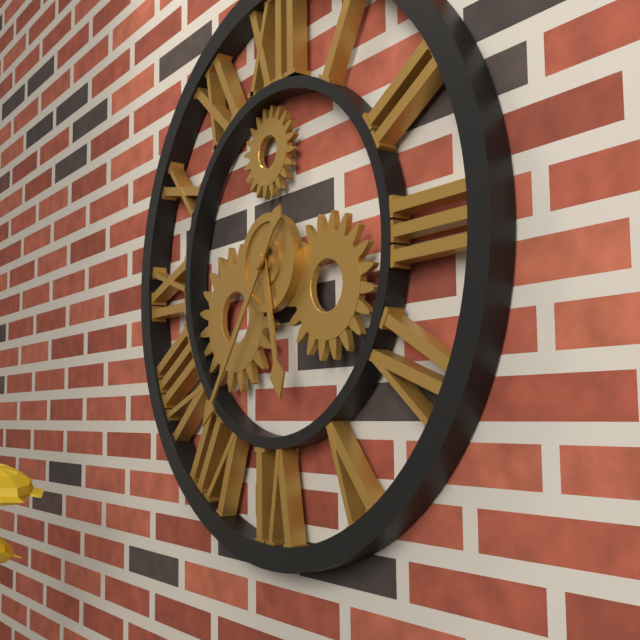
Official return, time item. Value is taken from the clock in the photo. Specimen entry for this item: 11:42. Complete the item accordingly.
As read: 5:36
